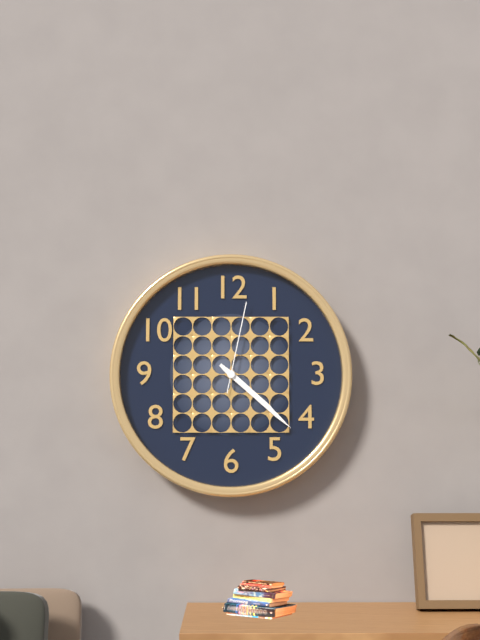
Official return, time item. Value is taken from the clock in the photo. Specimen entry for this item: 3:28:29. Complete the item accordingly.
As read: 4:22:02
